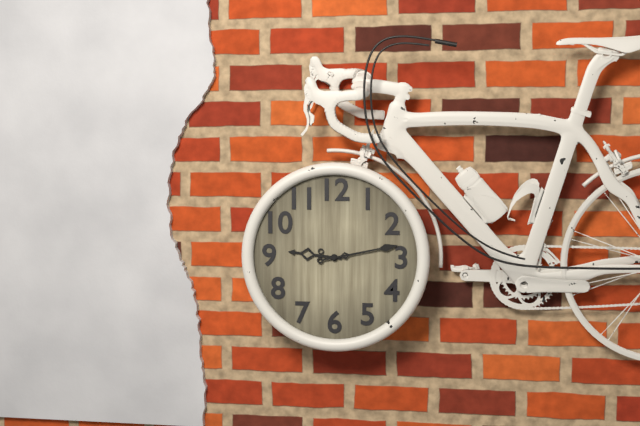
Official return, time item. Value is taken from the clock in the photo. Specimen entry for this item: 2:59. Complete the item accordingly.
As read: 9:13
